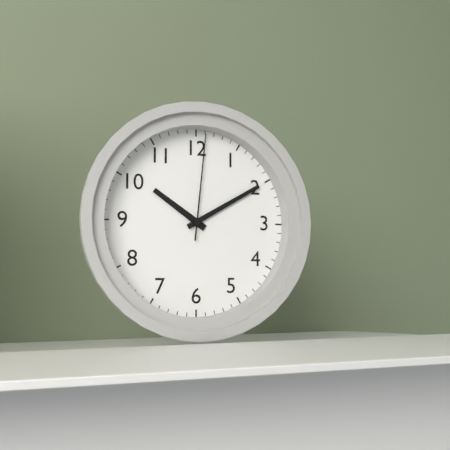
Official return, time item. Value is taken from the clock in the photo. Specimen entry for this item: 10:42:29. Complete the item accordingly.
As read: 10:10:01
